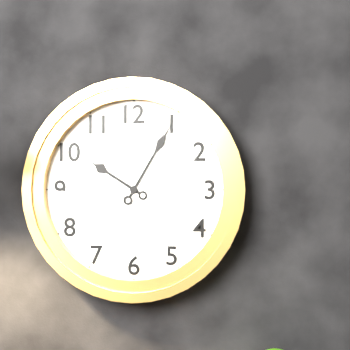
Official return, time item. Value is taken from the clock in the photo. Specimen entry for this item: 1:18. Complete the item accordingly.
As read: 10:05
